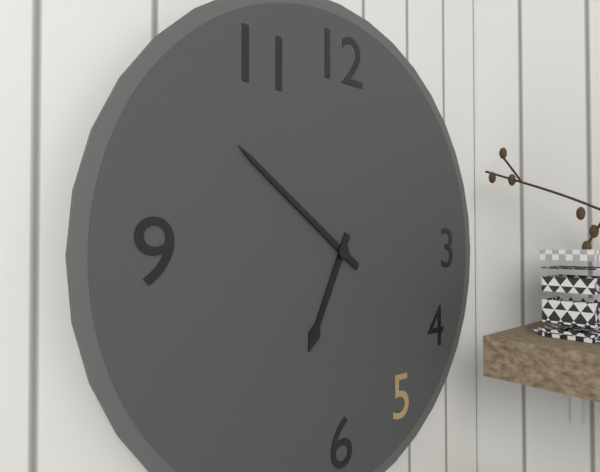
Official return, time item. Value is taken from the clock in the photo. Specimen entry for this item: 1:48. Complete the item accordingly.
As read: 6:51
